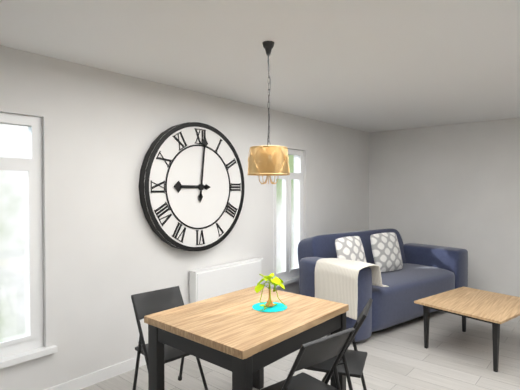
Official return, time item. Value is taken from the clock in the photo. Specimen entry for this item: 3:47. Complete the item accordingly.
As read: 9:01
